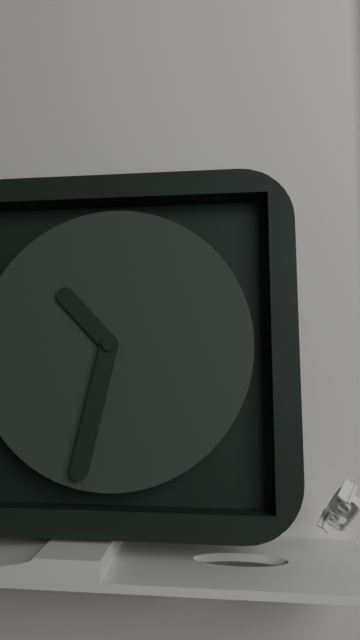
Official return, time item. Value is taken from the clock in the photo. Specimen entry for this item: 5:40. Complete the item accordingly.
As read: 10:32
